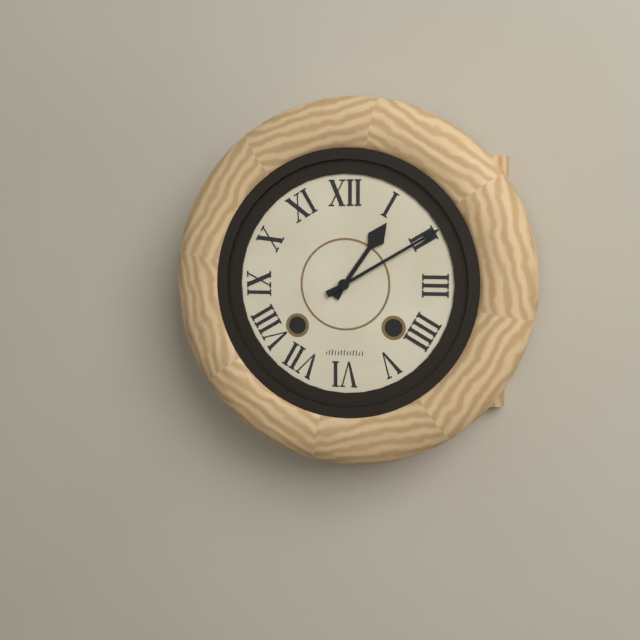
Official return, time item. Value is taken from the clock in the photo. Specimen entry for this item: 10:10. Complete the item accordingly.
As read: 1:10
